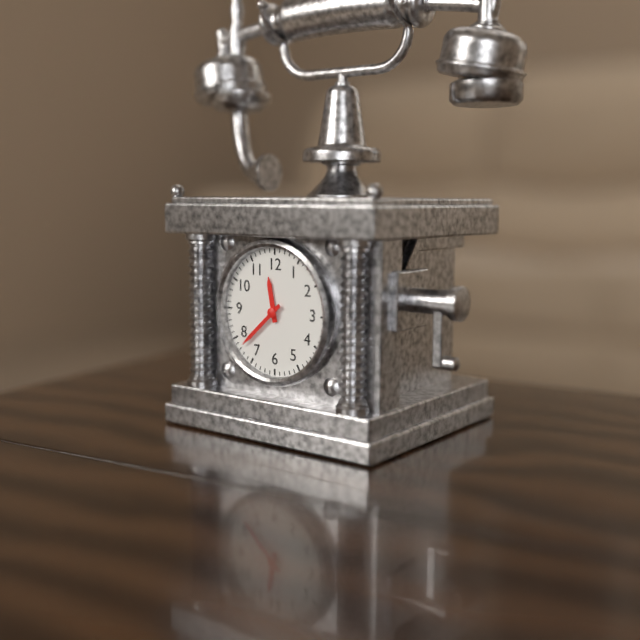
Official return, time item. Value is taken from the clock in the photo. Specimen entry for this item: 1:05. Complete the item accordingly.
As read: 11:38
